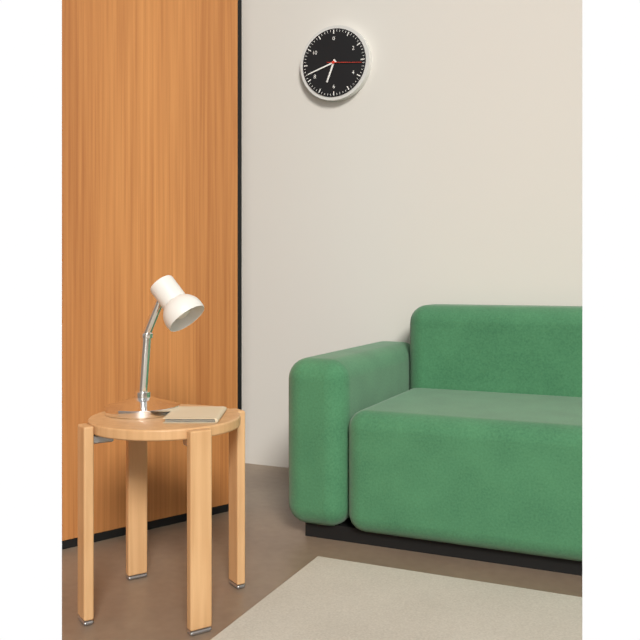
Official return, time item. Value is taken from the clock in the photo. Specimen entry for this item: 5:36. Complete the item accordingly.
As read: 6:42
